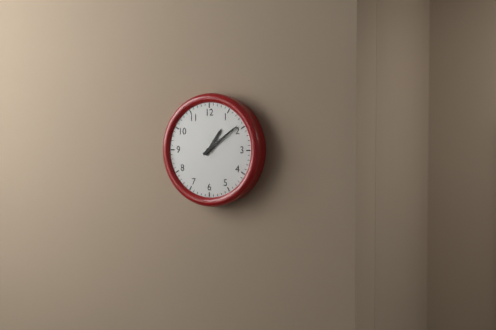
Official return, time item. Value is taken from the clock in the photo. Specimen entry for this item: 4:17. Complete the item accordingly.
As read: 1:09
